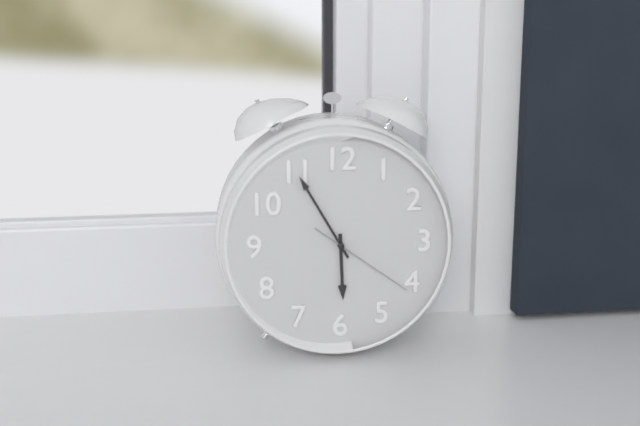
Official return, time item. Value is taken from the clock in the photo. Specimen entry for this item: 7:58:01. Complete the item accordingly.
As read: 5:55:21
